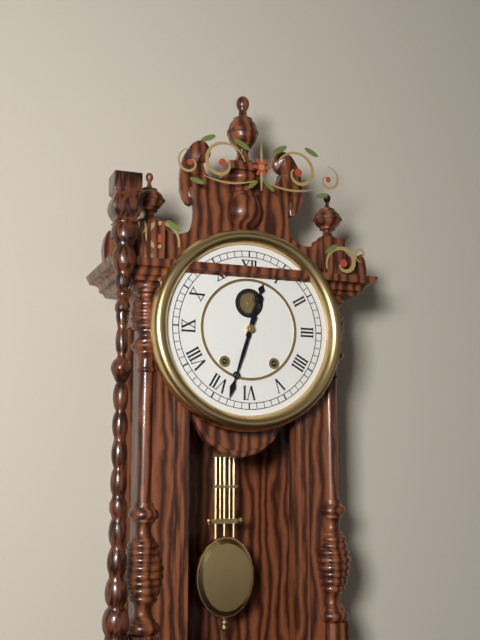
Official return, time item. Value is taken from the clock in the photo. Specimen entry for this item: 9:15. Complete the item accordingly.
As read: 12:33
